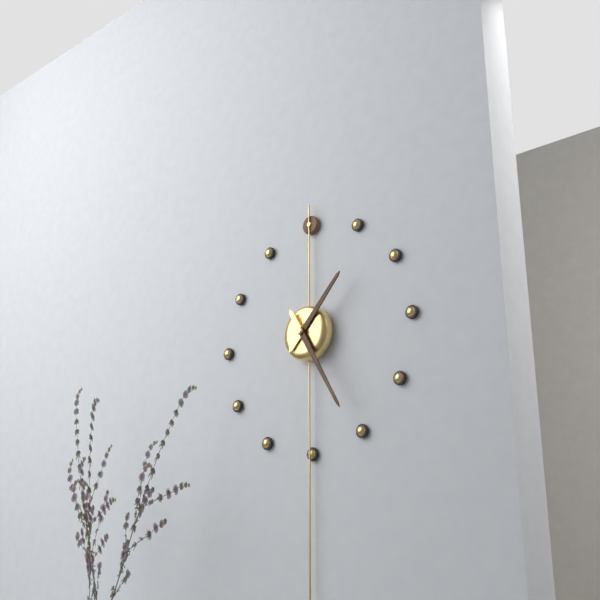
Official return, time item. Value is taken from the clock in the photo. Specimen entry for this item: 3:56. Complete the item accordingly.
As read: 1:25
